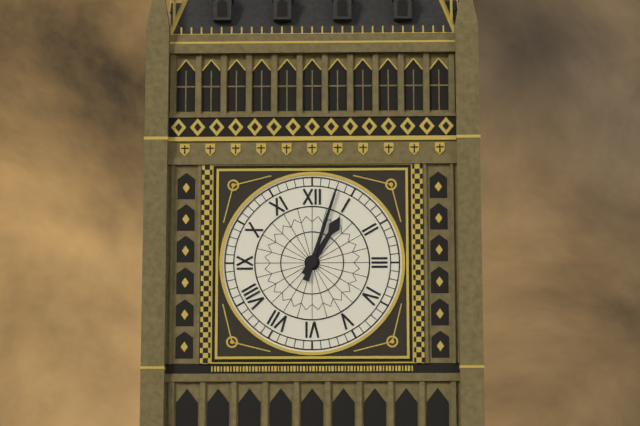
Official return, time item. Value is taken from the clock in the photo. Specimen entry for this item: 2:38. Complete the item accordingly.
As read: 1:03
